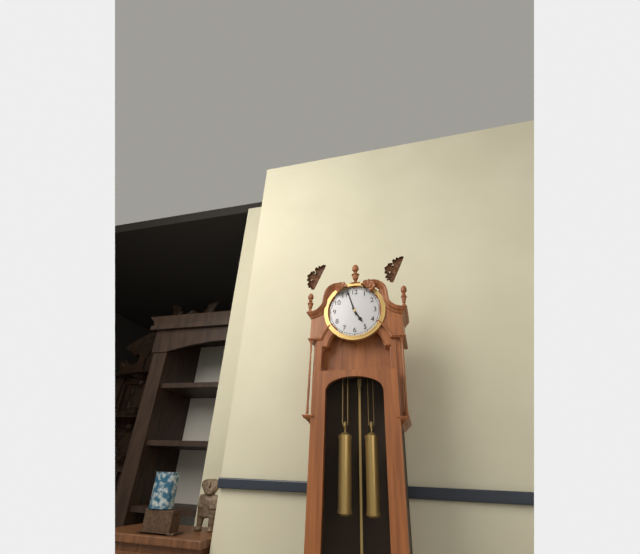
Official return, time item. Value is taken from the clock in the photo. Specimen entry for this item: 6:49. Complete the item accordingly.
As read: 4:57
